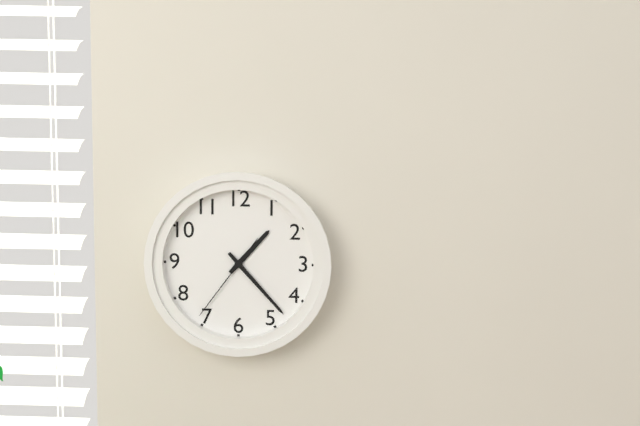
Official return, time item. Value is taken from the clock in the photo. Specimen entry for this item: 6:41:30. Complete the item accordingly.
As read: 1:23:36
